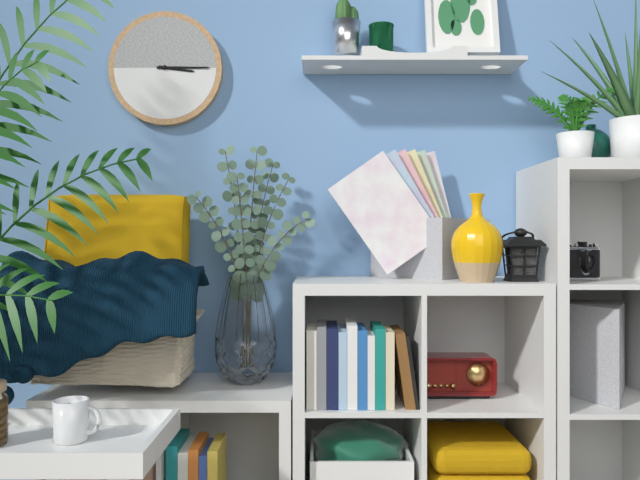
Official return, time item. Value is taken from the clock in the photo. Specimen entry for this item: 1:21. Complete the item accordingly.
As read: 3:15
